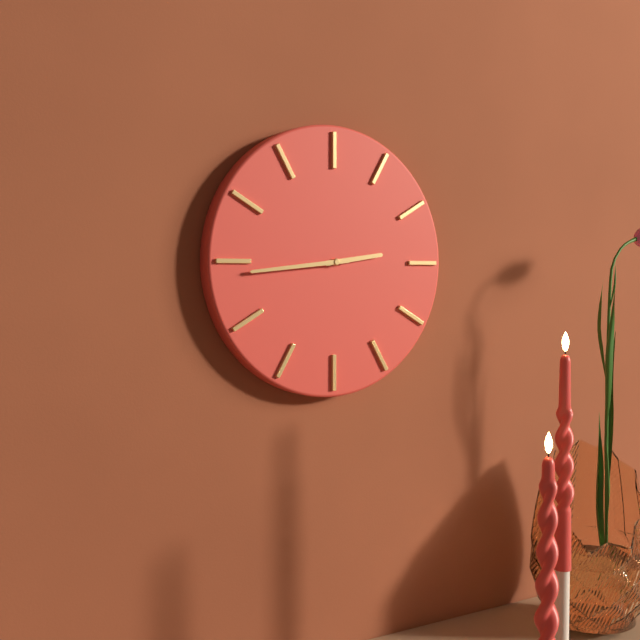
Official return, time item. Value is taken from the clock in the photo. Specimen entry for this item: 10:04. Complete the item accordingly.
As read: 2:44
